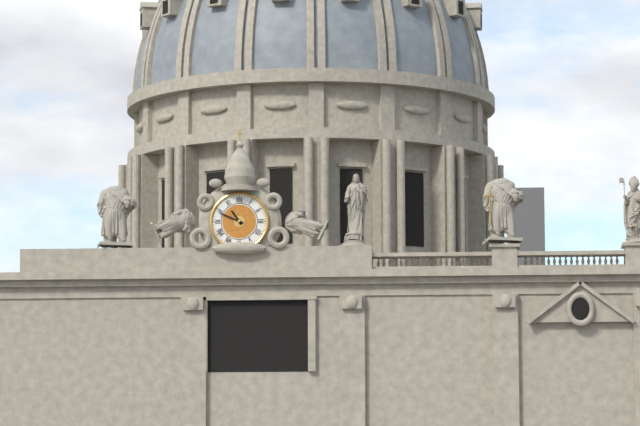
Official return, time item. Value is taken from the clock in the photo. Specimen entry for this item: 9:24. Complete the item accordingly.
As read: 10:49
